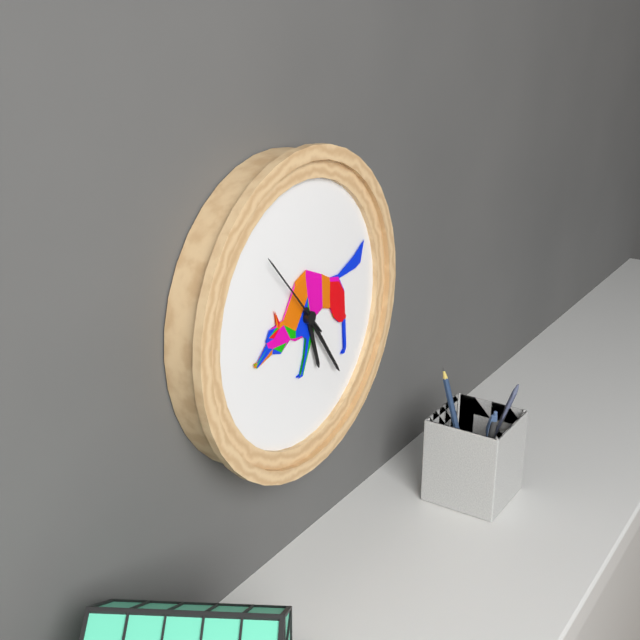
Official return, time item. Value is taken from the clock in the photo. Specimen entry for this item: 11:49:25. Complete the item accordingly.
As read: 5:24:53
